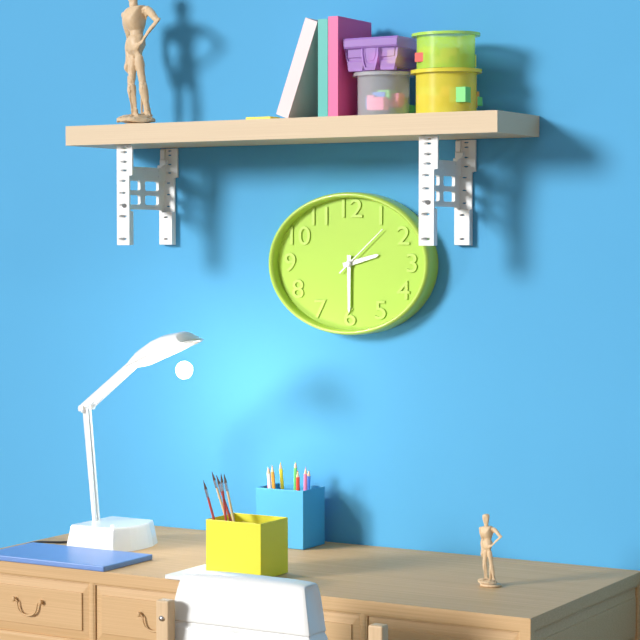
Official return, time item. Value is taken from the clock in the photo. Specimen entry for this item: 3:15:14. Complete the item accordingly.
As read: 2:30:08
